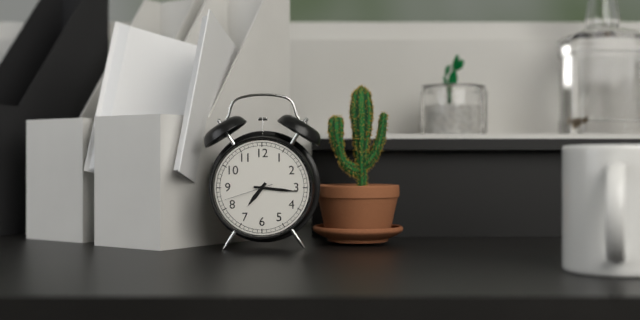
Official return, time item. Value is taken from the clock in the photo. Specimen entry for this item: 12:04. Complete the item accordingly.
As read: 7:16
